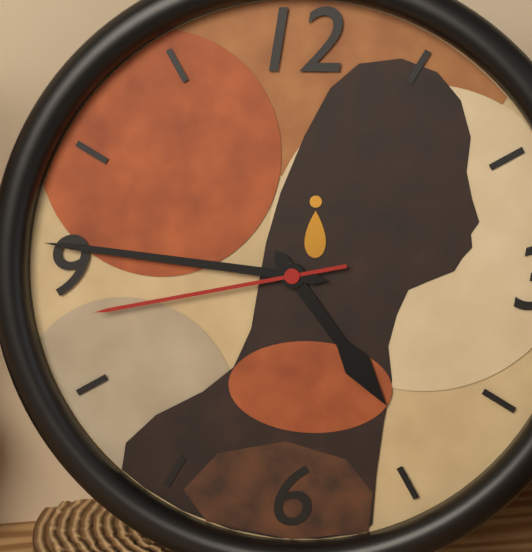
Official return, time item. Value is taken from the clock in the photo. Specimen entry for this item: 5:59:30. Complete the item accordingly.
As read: 4:46:43
